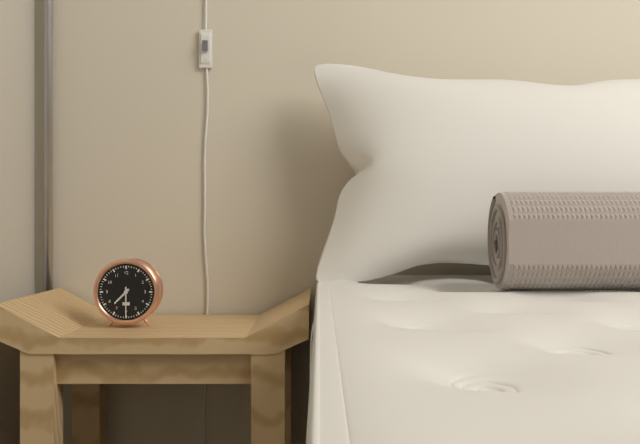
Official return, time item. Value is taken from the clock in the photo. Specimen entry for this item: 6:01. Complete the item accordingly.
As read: 7:30
